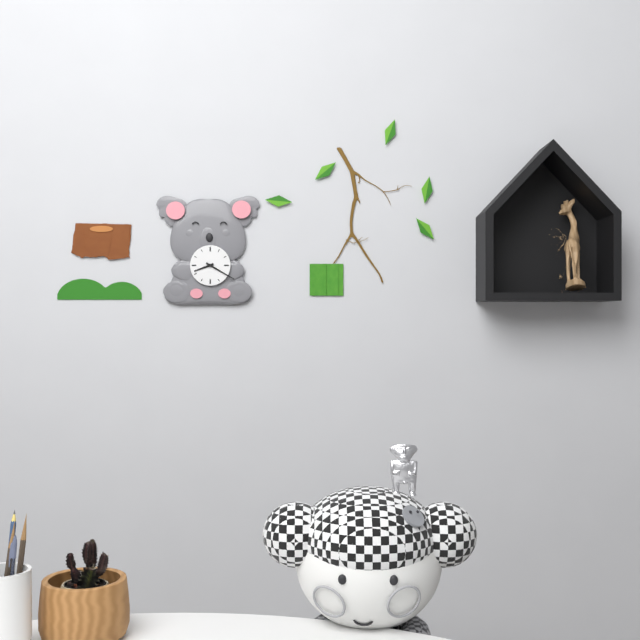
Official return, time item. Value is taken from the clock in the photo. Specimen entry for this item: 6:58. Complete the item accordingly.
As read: 8:20
